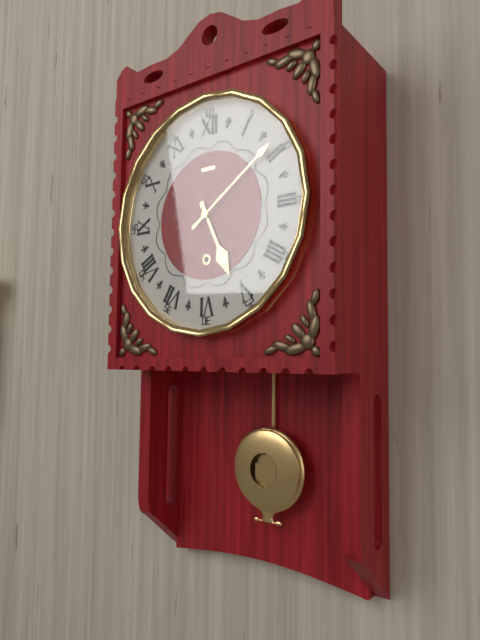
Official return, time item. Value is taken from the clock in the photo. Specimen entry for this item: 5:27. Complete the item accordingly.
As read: 5:09
